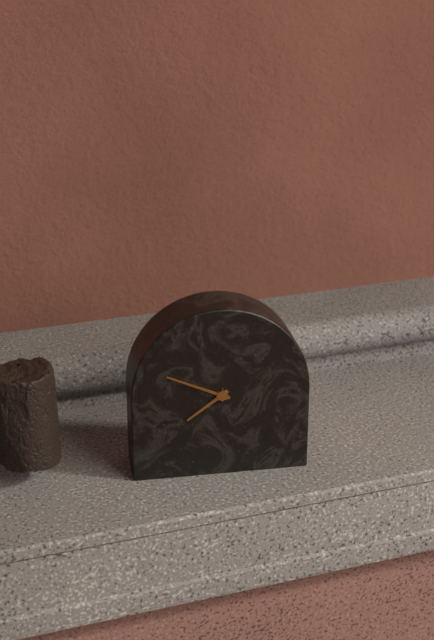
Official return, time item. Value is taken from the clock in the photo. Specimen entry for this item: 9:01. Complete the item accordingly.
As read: 7:49
